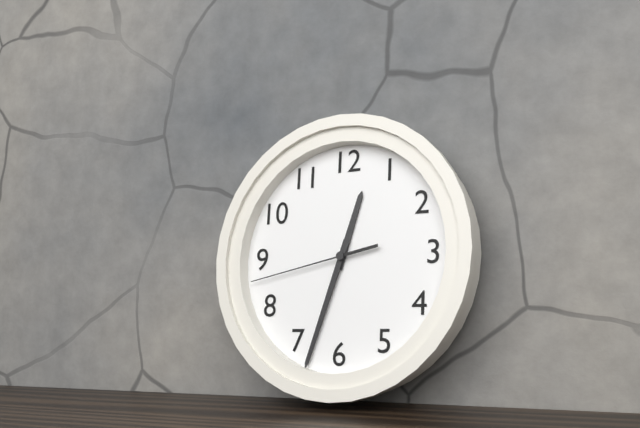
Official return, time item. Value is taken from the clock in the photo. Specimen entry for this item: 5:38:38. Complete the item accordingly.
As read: 12:33:43
